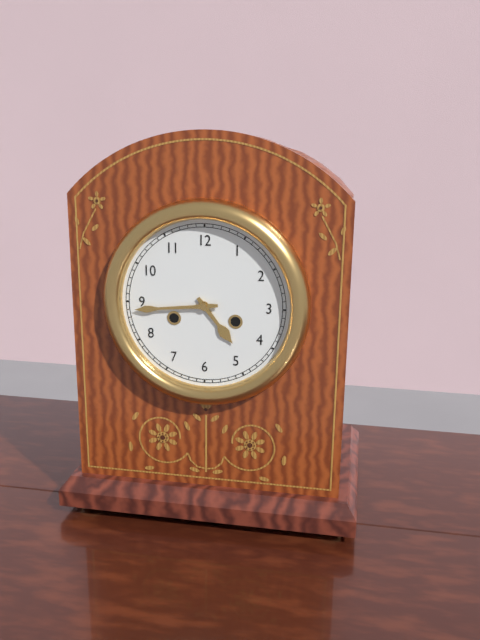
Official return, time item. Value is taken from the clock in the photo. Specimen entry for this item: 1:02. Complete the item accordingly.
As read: 4:44
